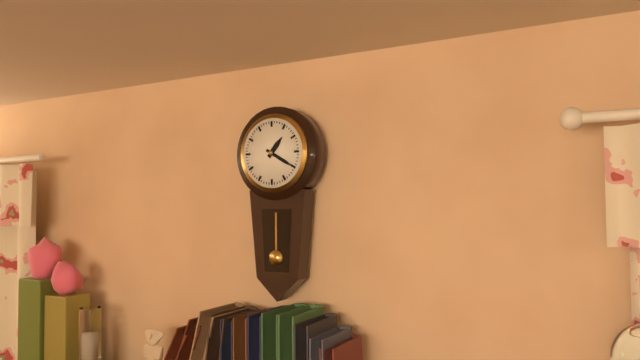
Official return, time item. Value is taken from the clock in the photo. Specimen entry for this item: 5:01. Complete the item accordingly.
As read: 1:20
